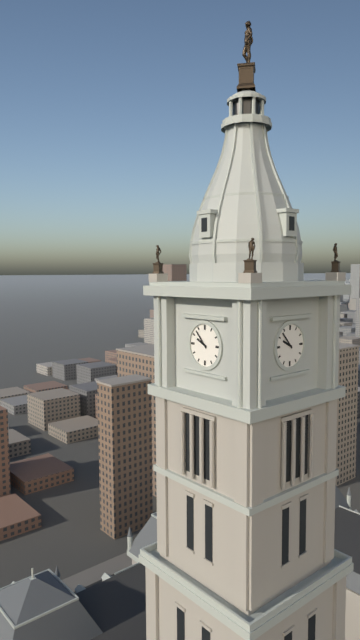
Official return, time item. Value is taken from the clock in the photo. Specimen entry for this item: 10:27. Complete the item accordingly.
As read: 9:53
